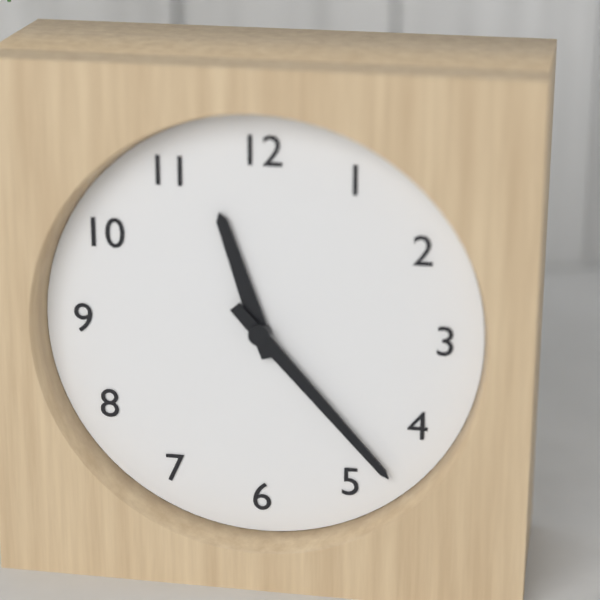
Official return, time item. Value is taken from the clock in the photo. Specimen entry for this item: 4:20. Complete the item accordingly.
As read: 11:23
